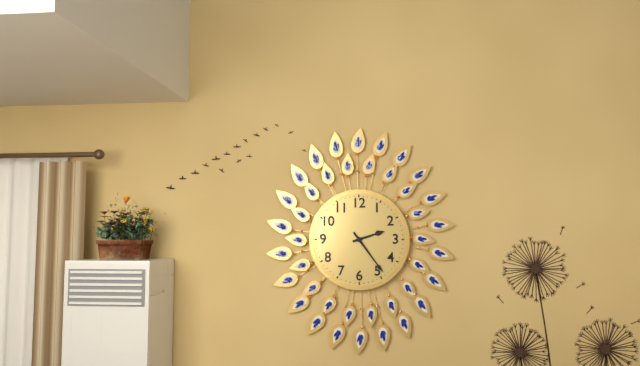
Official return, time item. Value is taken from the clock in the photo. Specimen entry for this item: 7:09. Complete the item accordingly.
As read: 2:24
